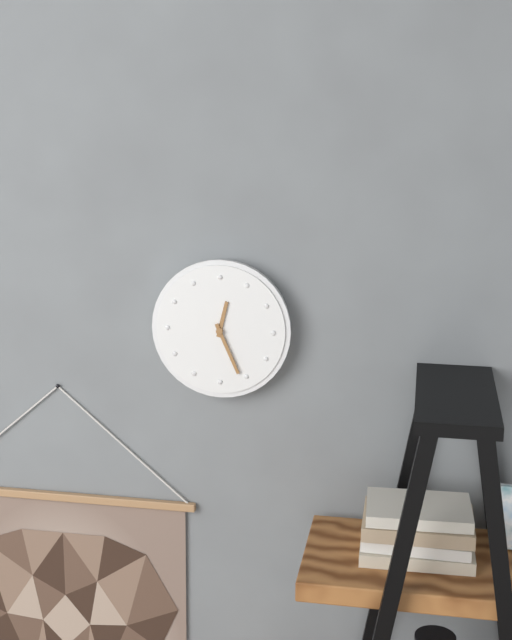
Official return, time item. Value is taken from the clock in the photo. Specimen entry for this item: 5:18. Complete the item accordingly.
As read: 12:26
